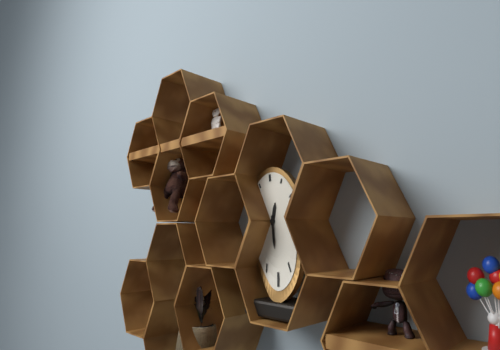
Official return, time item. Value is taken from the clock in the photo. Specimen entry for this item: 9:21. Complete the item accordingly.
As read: 12:30
